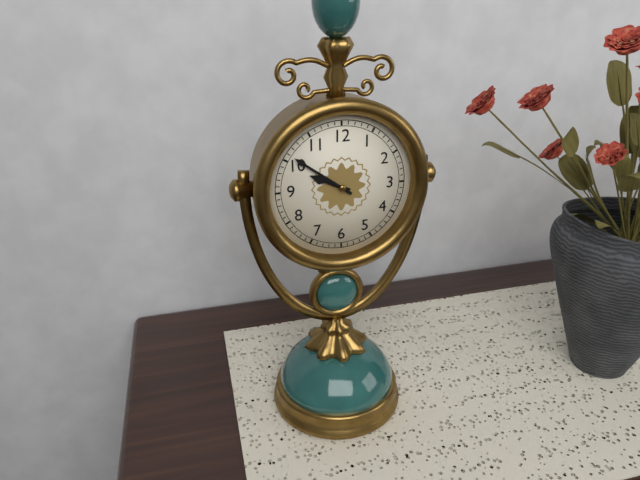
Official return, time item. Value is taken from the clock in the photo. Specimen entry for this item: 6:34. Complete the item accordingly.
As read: 9:51
